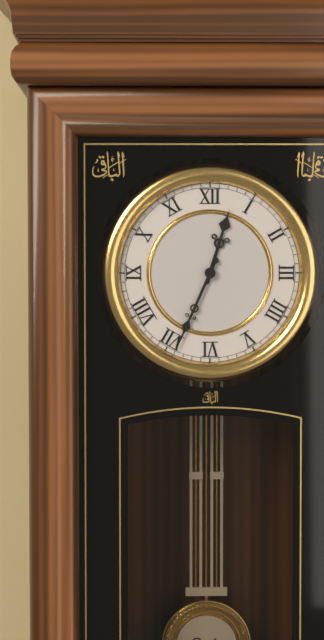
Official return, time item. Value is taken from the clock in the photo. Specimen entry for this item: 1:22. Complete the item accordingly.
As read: 12:34
